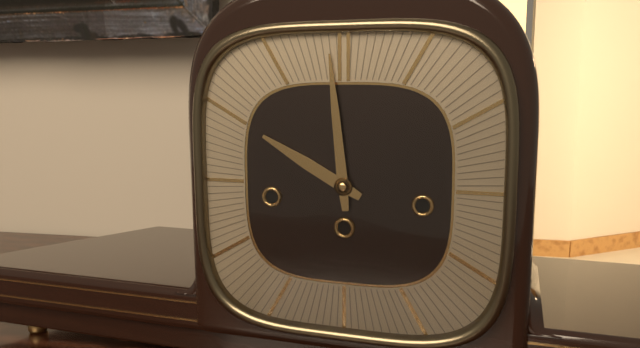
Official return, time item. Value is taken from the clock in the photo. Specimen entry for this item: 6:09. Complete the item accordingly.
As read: 9:59
